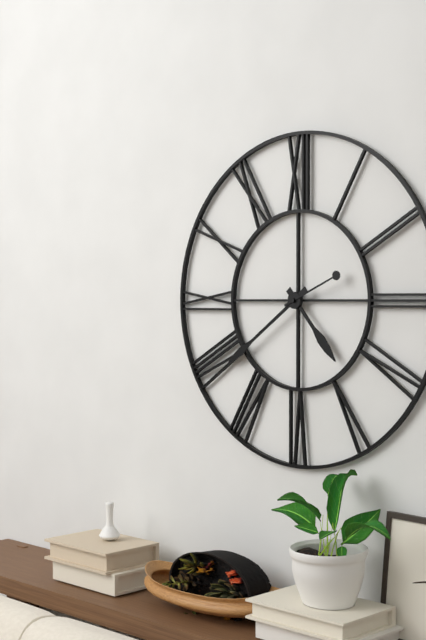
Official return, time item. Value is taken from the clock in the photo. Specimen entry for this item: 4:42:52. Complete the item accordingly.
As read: 4:39:11
